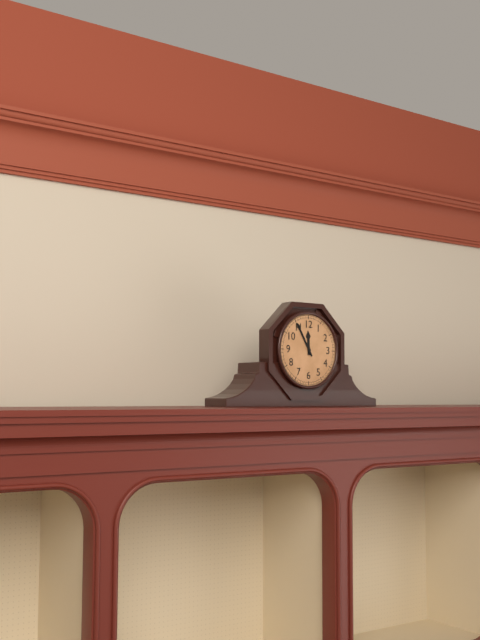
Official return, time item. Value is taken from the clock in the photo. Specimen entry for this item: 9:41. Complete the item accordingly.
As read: 11:55
